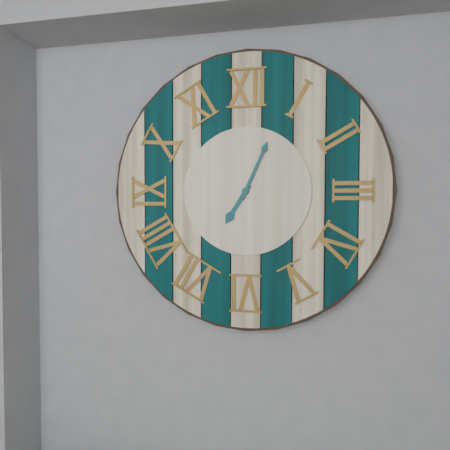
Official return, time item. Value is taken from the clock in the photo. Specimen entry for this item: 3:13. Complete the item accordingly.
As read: 7:04
